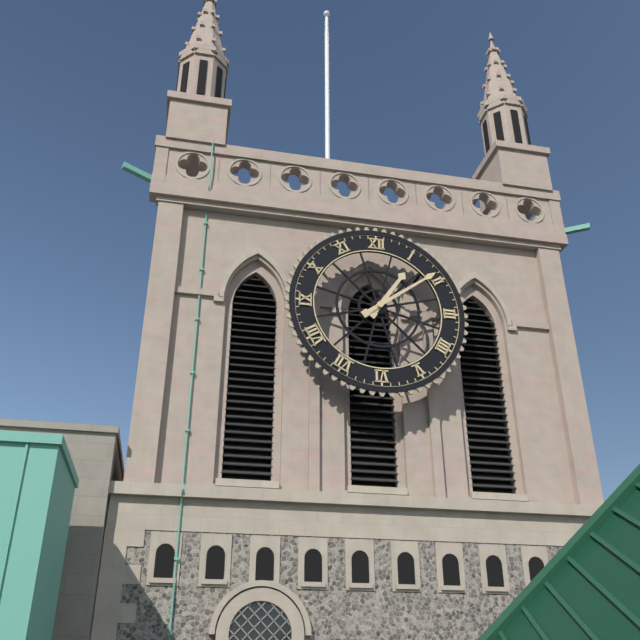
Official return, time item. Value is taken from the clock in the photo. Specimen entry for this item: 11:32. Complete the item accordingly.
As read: 1:09
